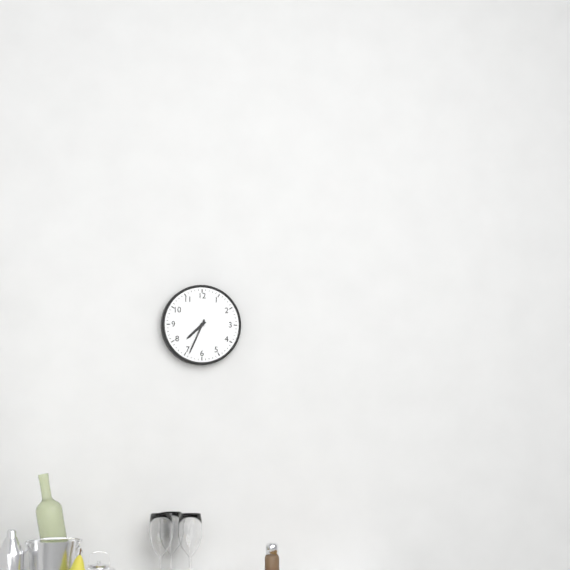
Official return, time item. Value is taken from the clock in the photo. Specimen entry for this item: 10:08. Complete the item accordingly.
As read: 7:34
